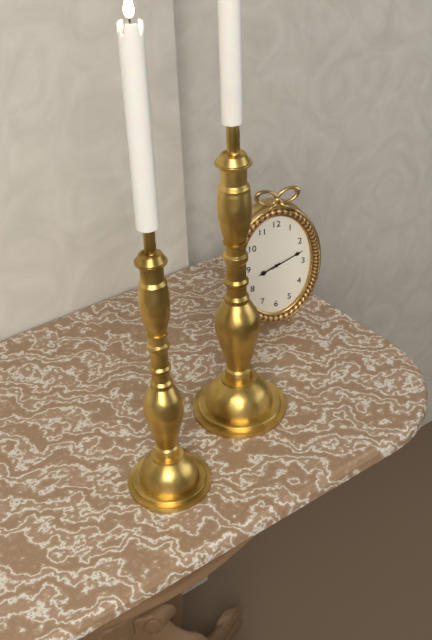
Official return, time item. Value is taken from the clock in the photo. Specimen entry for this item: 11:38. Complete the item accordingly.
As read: 8:11
